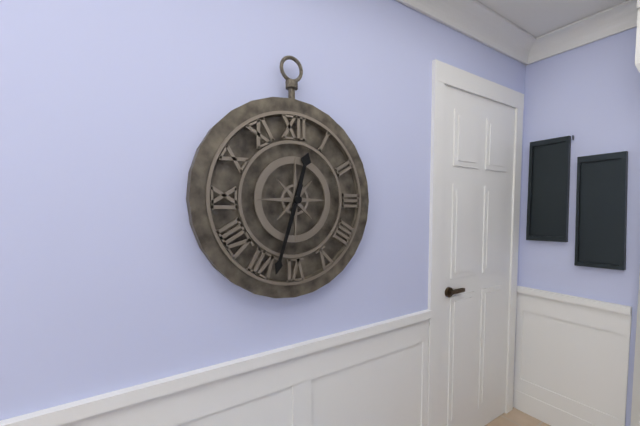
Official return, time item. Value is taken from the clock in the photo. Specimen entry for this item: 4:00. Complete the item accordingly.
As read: 12:33
